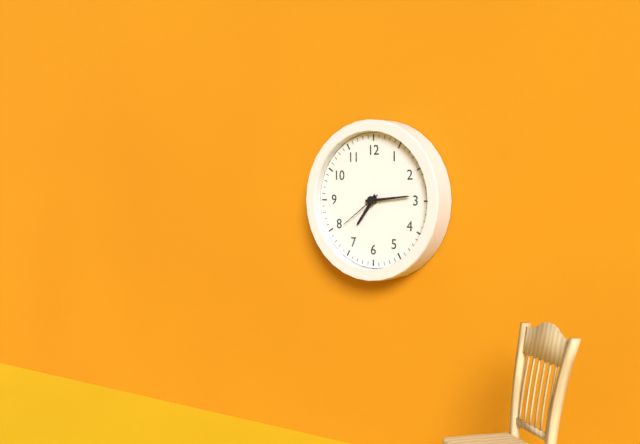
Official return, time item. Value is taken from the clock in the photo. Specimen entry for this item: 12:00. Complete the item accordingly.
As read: 7:14
